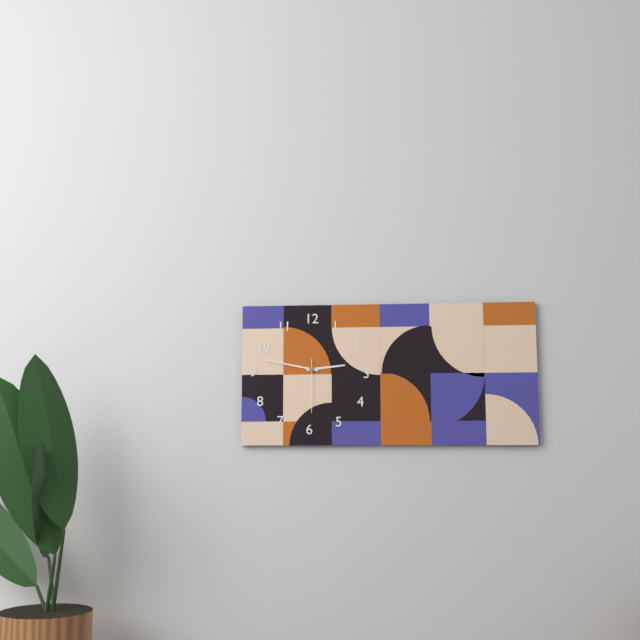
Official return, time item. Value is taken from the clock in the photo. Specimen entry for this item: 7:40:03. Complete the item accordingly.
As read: 2:47:30
